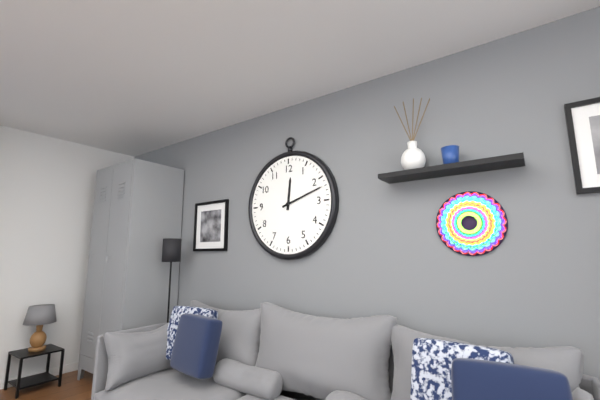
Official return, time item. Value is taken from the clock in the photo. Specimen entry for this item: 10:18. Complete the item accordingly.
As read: 12:12
